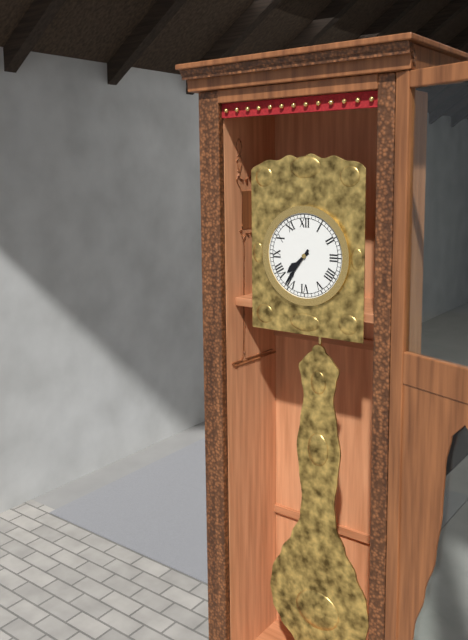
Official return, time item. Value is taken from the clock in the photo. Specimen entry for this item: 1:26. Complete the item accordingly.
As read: 7:36
